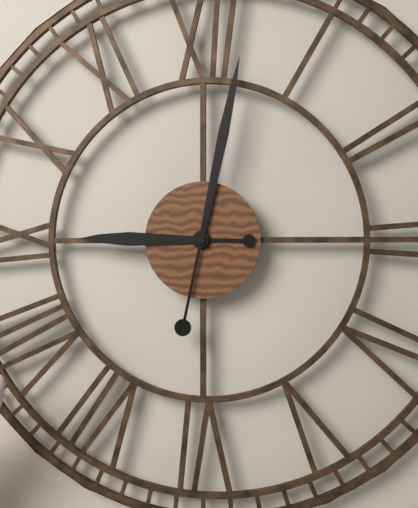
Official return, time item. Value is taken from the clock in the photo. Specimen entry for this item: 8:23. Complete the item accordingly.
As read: 9:02
